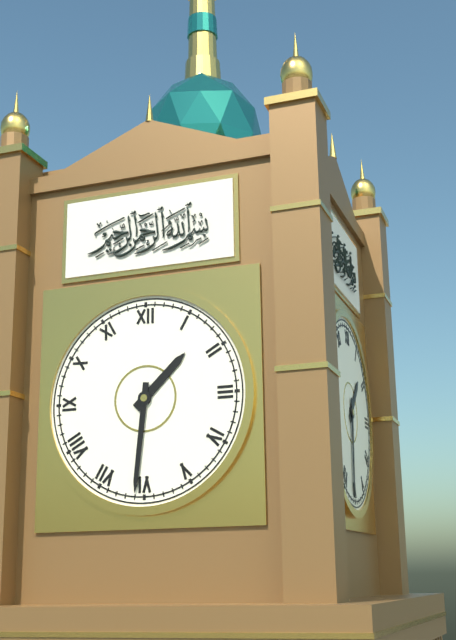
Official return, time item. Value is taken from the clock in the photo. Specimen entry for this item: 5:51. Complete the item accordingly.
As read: 1:31
